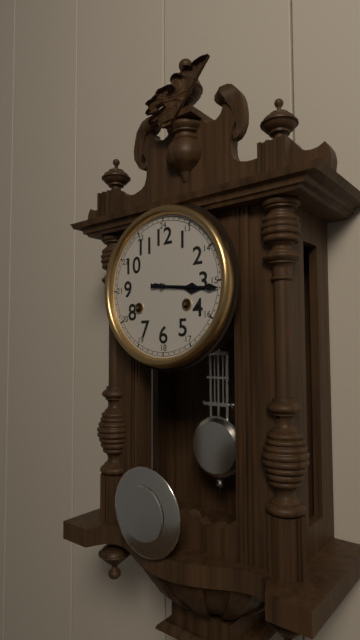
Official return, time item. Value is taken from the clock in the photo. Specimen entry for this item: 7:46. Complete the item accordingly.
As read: 3:16
